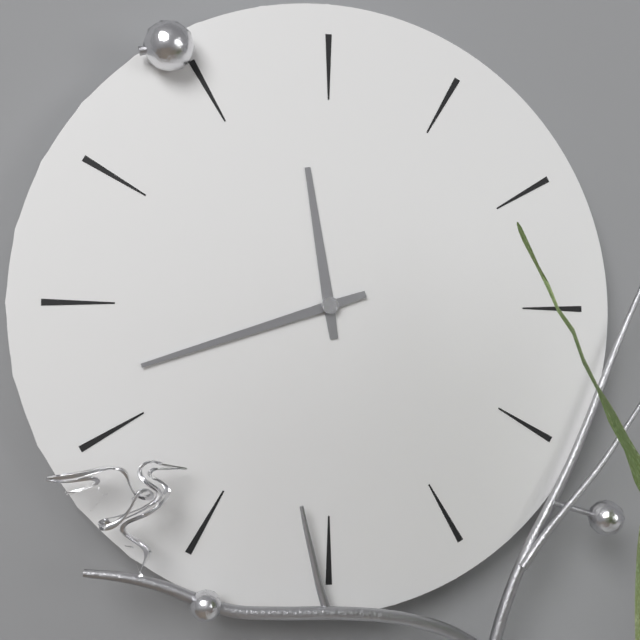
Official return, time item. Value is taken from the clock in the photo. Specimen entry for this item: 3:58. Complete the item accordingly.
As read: 11:42
